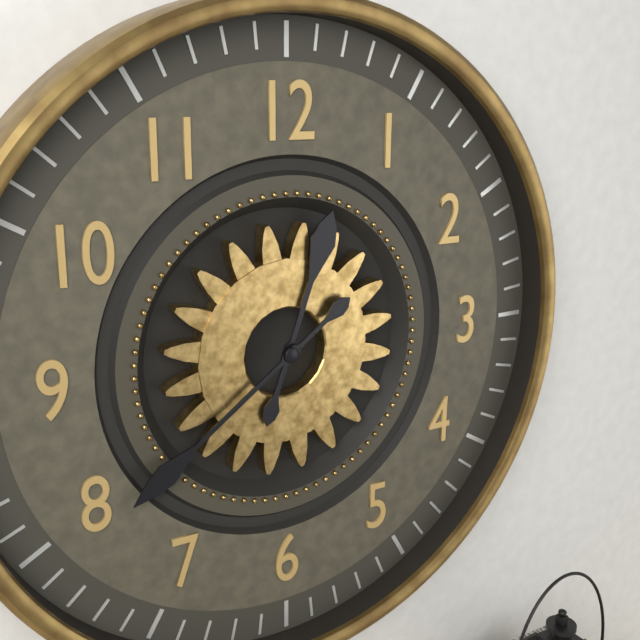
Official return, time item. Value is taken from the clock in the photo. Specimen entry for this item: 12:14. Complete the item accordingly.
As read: 12:39
